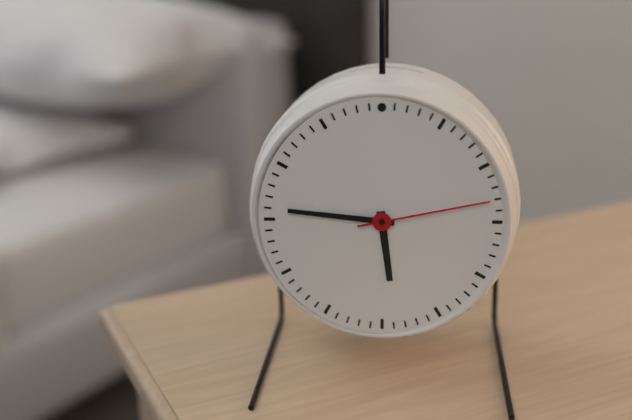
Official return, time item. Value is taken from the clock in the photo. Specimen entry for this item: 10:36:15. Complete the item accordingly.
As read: 5:46:13
